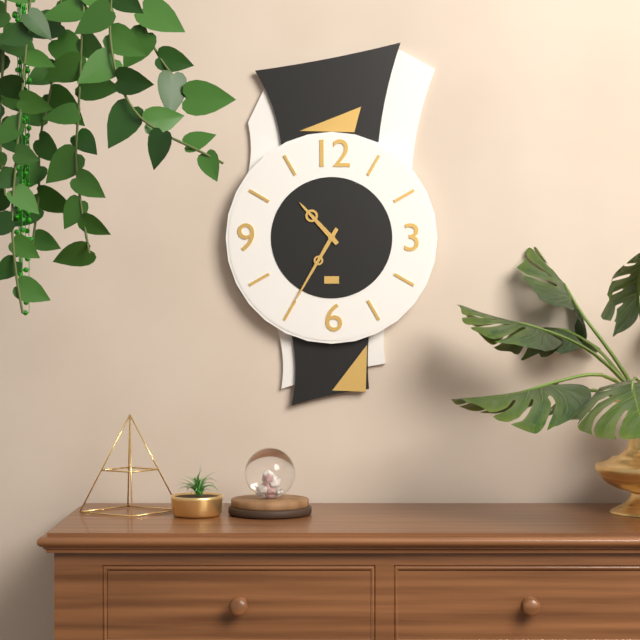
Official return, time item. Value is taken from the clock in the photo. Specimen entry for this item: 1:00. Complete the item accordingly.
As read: 10:35
